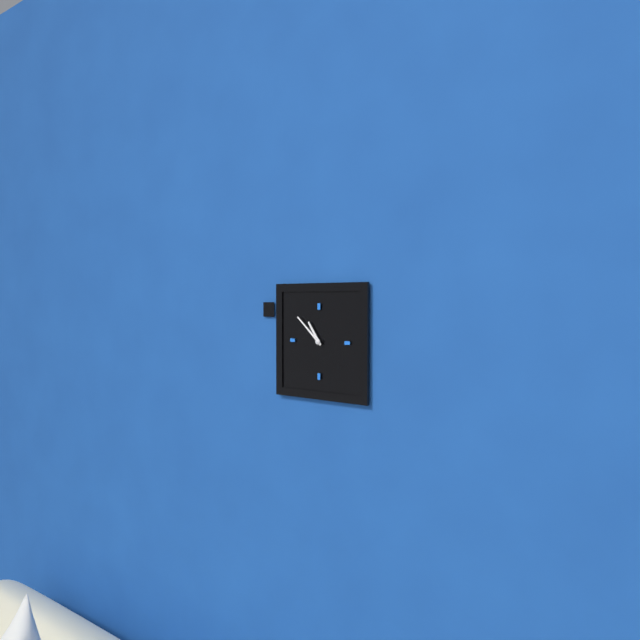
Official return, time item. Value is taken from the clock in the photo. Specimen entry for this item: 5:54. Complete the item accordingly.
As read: 10:52
